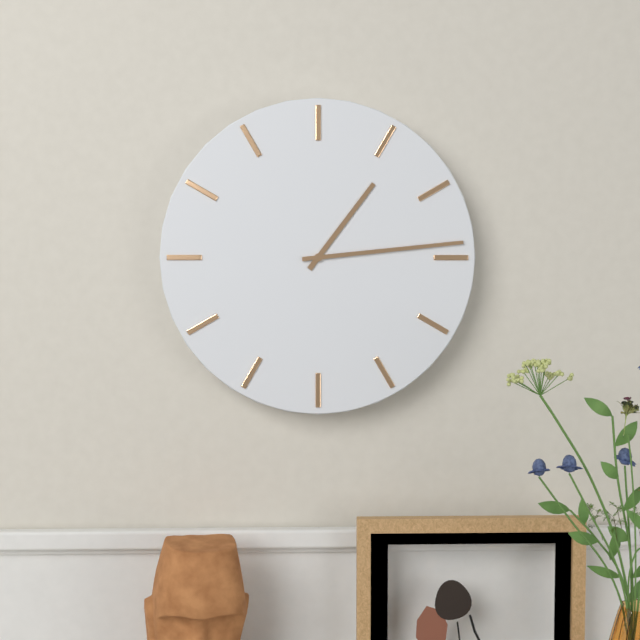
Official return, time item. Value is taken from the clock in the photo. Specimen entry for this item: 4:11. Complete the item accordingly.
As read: 1:14
